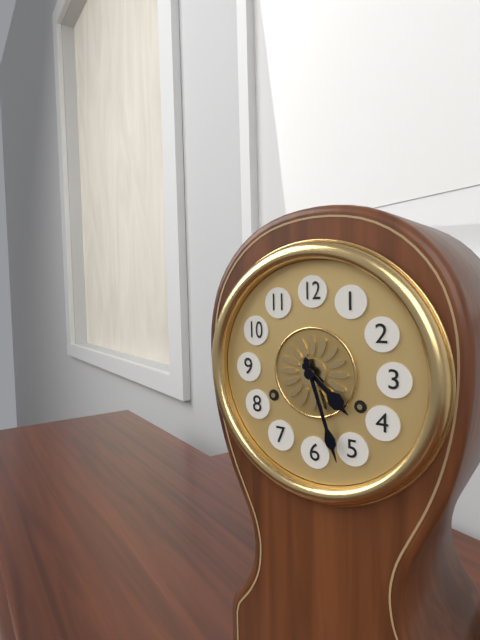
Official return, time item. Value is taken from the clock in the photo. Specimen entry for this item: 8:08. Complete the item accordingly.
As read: 4:27
